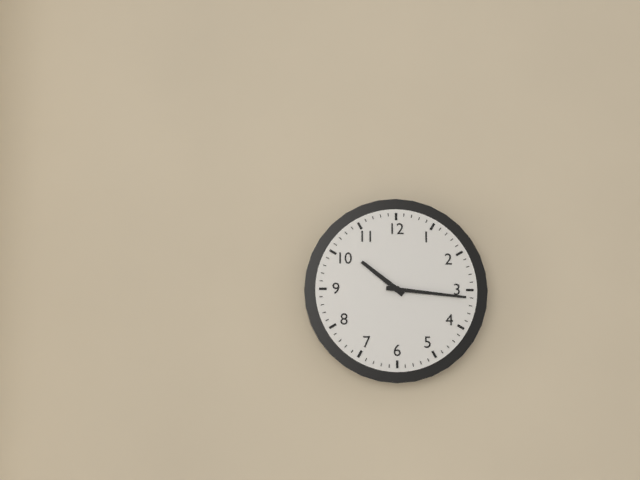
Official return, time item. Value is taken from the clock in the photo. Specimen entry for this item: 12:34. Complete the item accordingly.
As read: 10:16
